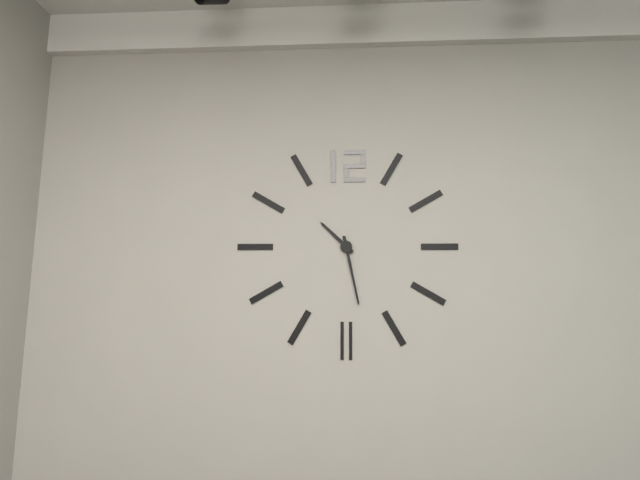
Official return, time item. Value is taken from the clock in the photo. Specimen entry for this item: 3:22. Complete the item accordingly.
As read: 10:28
